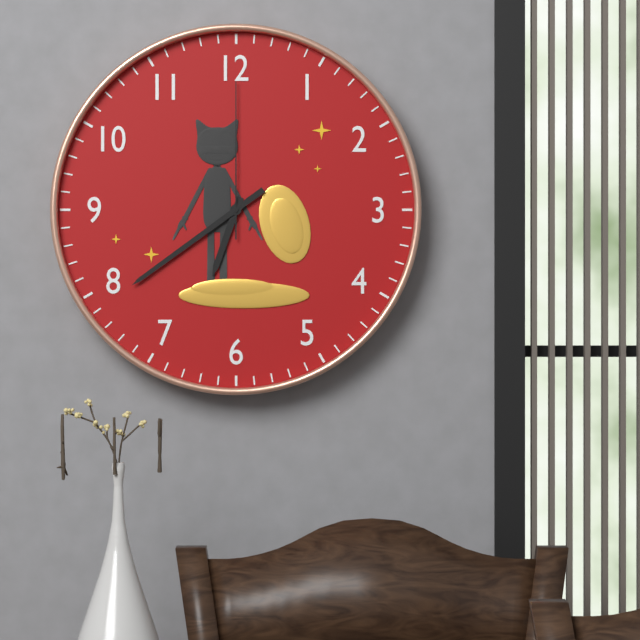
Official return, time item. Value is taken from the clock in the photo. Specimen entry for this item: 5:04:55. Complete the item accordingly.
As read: 6:39:00
